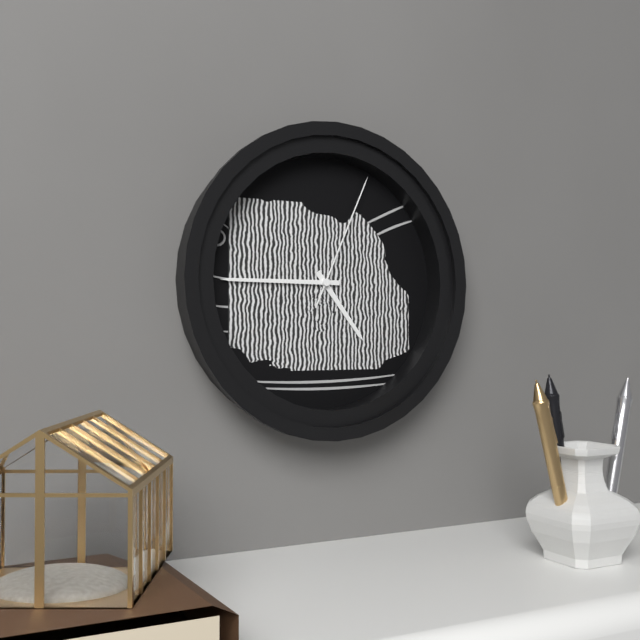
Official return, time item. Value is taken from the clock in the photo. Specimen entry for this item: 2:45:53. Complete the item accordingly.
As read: 4:45:04
